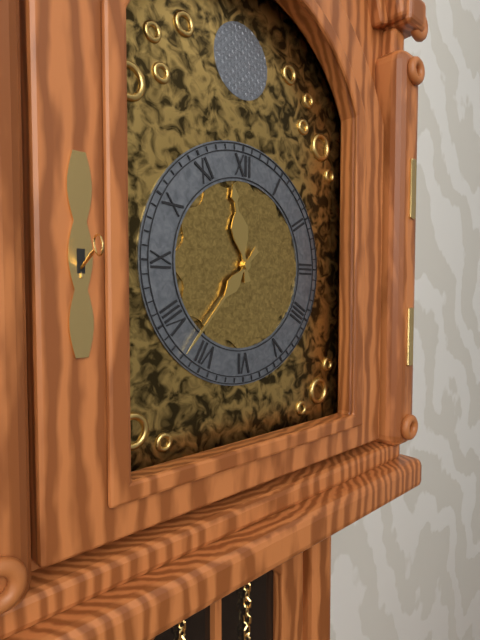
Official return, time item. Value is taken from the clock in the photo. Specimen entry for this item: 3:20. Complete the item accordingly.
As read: 11:37
